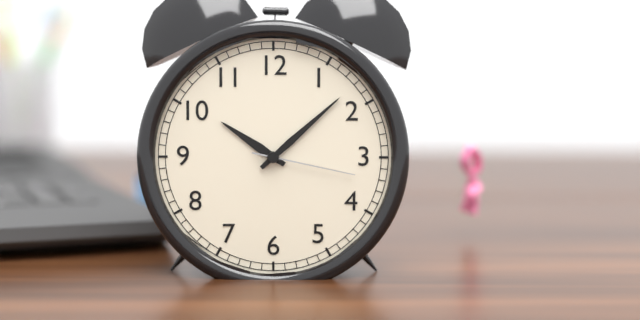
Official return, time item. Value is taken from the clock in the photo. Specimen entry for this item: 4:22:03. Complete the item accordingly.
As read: 10:08:17
